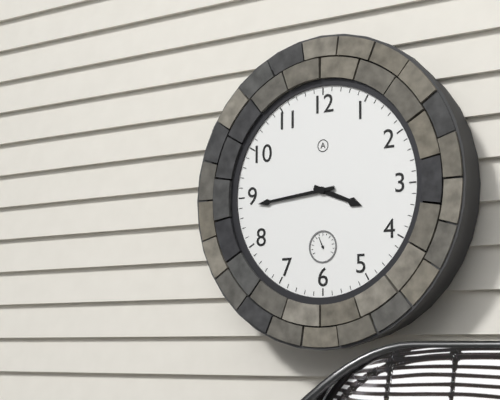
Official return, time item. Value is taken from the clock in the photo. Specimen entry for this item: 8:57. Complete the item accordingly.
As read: 3:44
